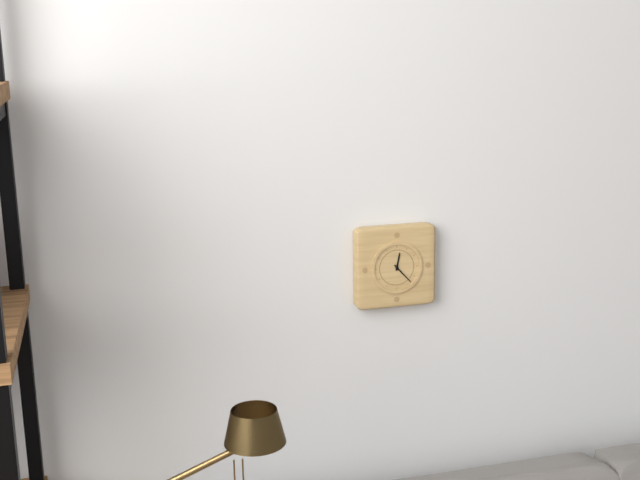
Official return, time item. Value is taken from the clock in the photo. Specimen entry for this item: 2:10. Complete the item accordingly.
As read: 12:23
